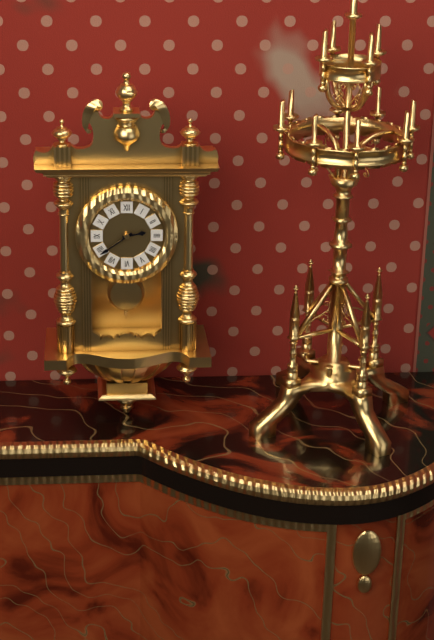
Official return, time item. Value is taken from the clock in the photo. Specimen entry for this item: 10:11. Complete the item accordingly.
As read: 2:39
